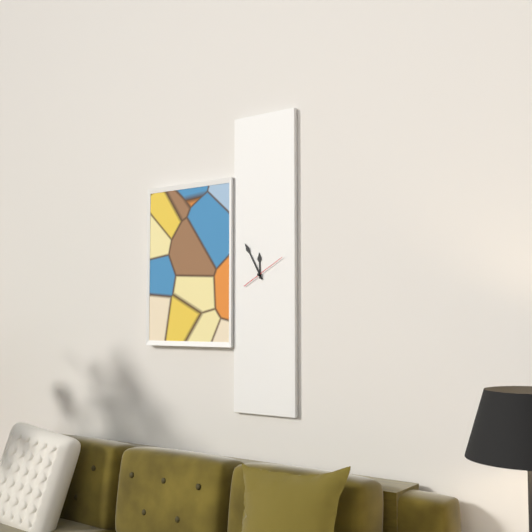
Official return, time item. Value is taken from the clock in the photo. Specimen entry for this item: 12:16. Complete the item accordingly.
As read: 11:55
